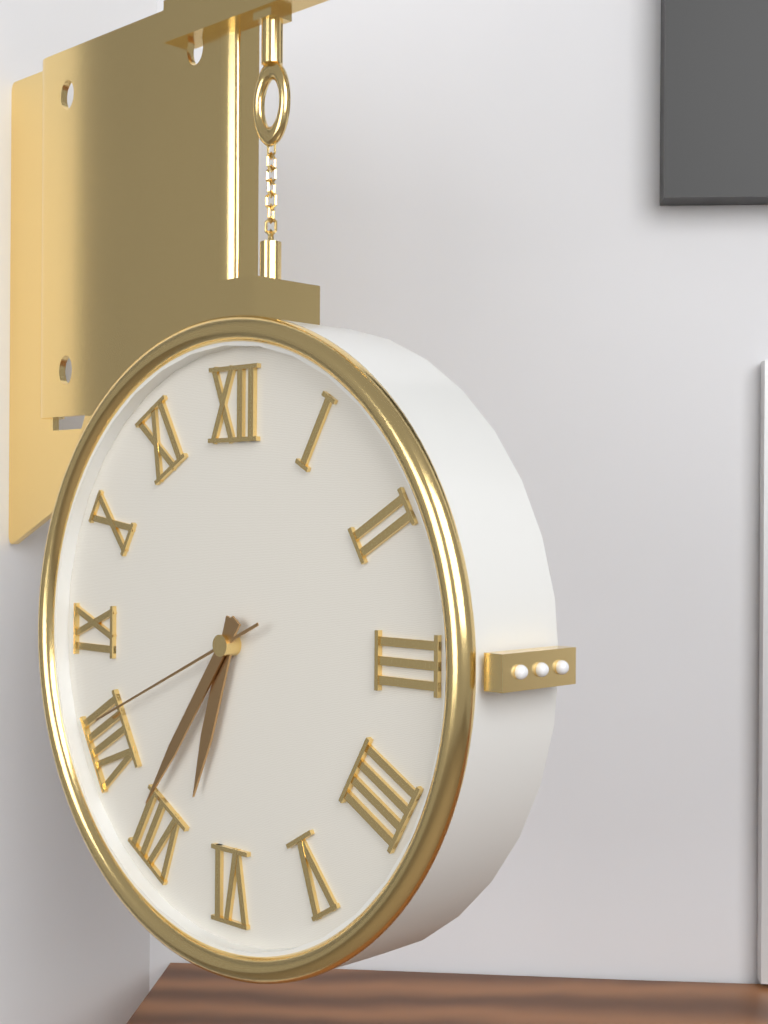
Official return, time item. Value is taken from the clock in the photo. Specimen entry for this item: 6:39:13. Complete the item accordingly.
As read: 6:36:41
